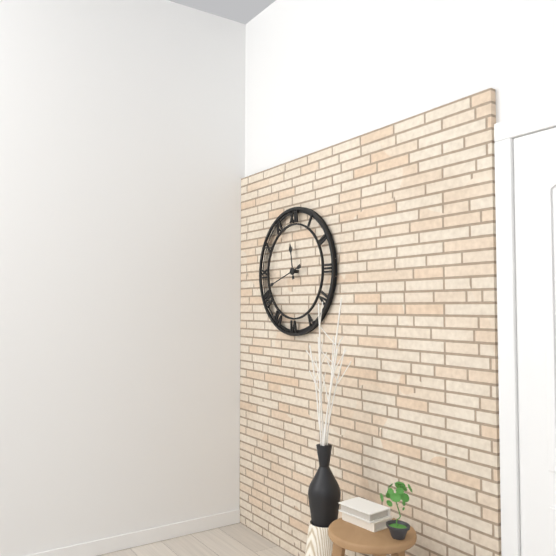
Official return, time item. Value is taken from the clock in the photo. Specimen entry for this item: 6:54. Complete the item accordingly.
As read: 11:42
